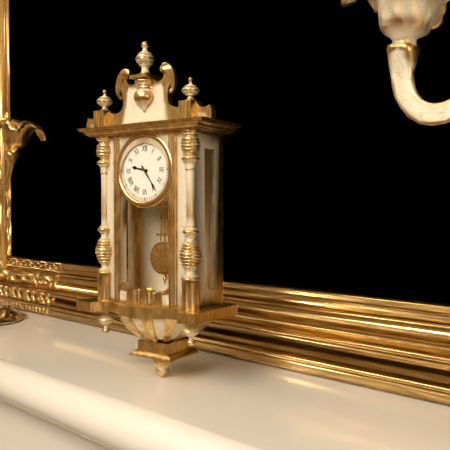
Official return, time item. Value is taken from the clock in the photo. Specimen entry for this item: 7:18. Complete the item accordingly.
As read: 9:24
